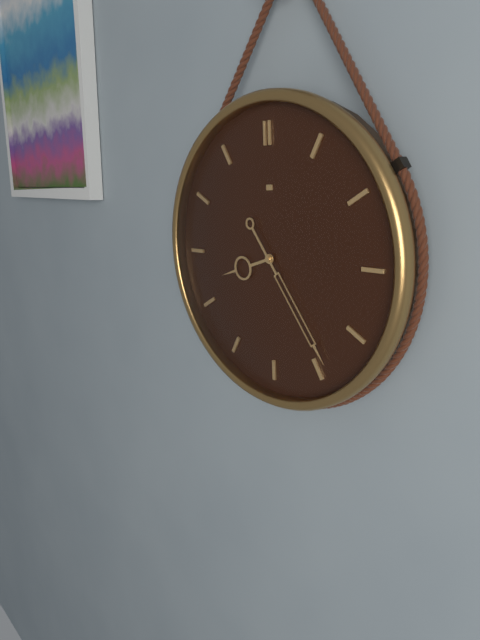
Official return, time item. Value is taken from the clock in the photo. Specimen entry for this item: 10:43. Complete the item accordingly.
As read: 8:24
